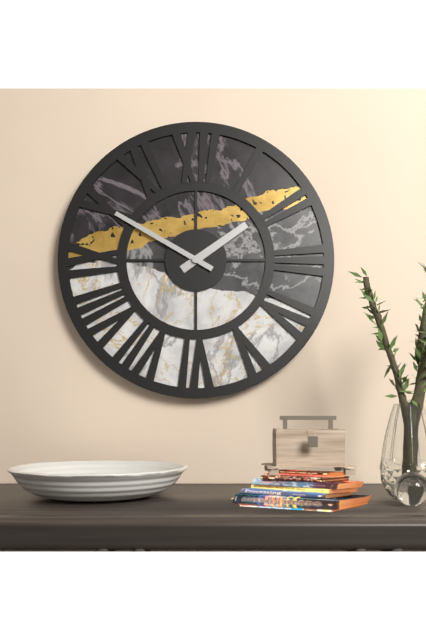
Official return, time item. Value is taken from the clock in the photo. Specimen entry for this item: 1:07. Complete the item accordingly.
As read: 1:50
